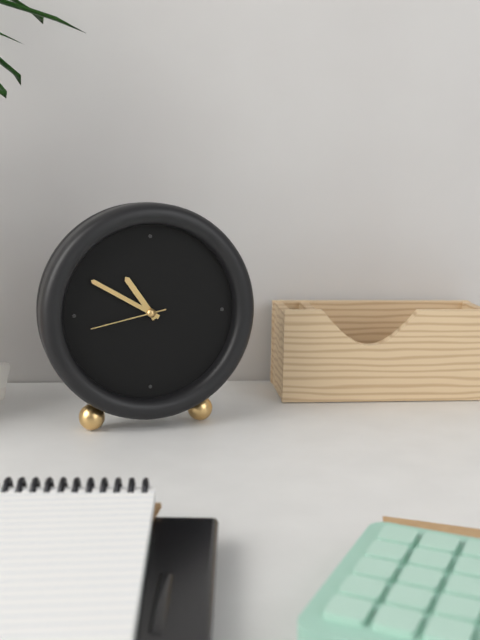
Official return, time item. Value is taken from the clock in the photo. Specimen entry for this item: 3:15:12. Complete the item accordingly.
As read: 10:50:43
